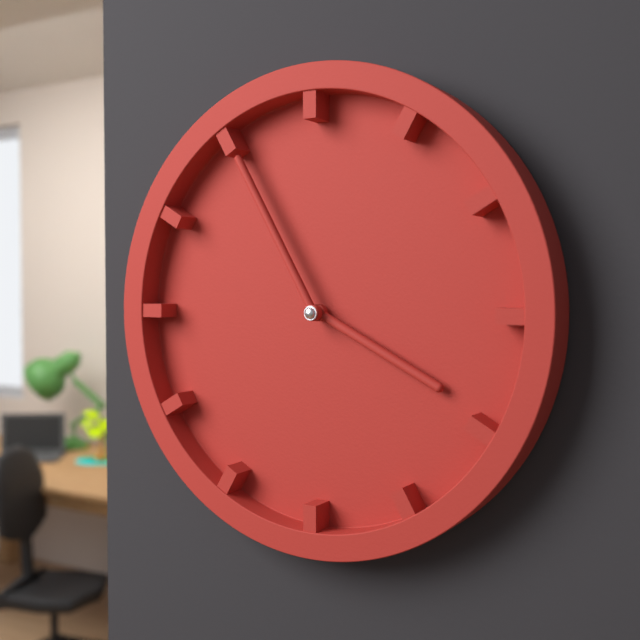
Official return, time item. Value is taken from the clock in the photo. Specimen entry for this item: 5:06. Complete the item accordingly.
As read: 3:55
